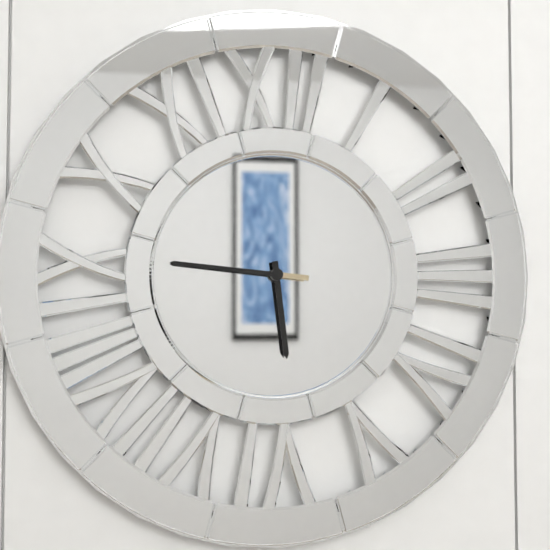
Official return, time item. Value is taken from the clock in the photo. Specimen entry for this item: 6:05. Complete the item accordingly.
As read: 5:46
